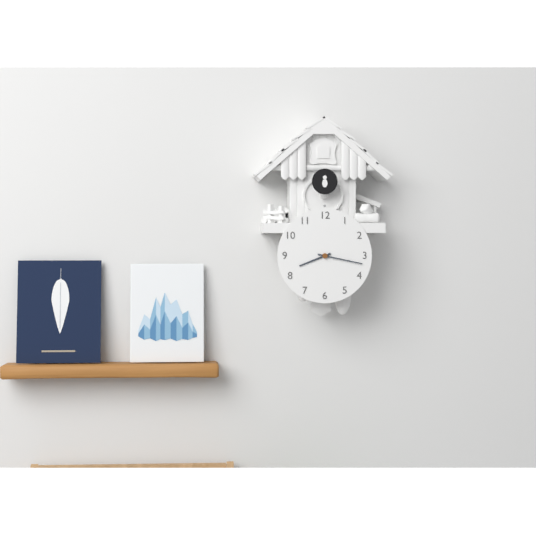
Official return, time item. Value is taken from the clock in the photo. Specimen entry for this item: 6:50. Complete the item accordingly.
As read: 8:17
